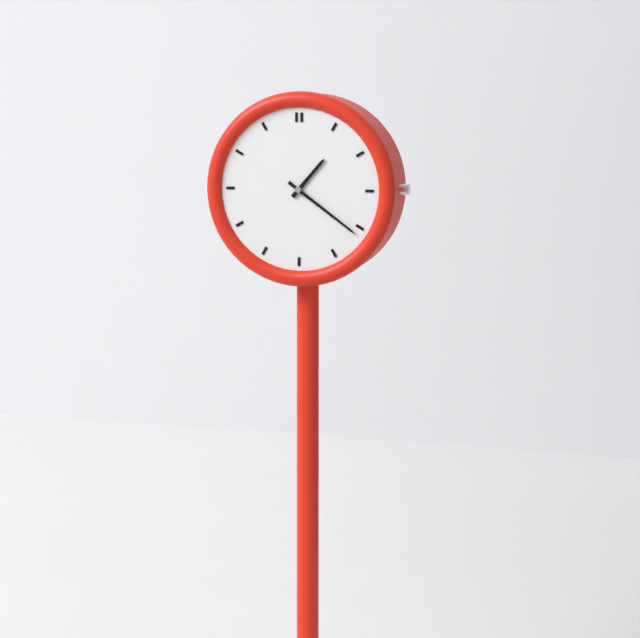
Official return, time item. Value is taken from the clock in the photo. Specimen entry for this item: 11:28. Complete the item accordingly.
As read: 1:21
